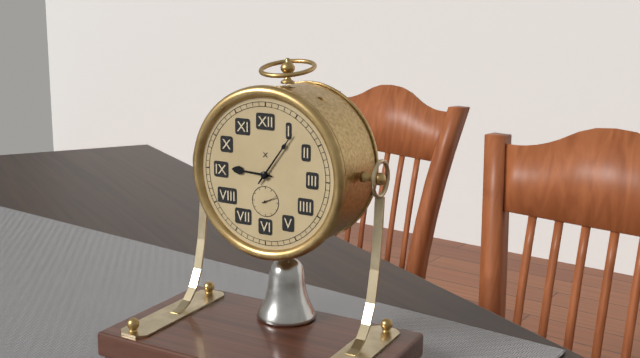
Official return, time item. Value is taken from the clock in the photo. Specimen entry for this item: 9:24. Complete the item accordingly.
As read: 9:06
